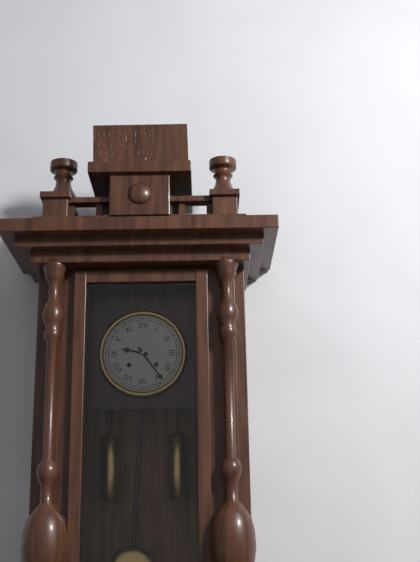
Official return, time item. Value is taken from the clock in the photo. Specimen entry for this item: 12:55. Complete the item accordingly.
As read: 9:24
